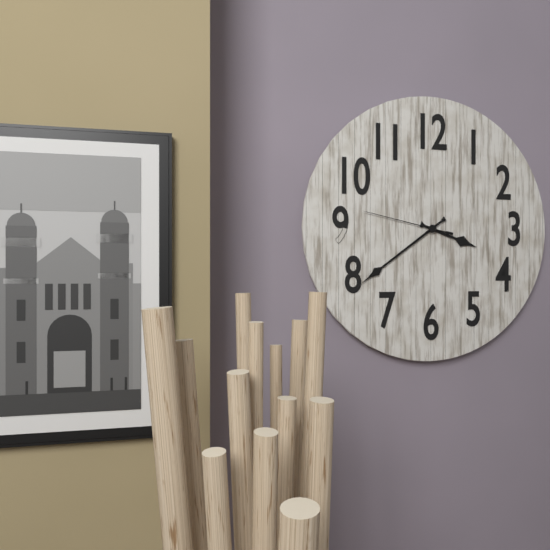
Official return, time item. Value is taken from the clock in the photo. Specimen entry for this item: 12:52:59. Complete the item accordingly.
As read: 3:39:47
